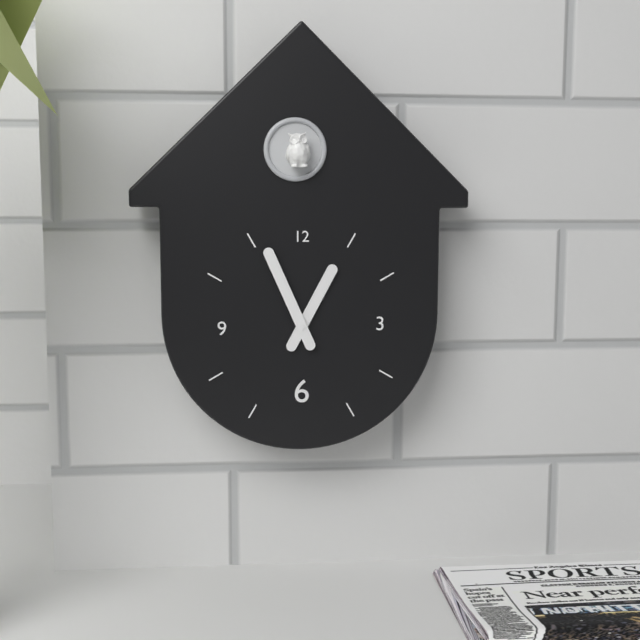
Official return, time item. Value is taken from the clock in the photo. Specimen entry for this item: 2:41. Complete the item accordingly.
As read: 12:56
